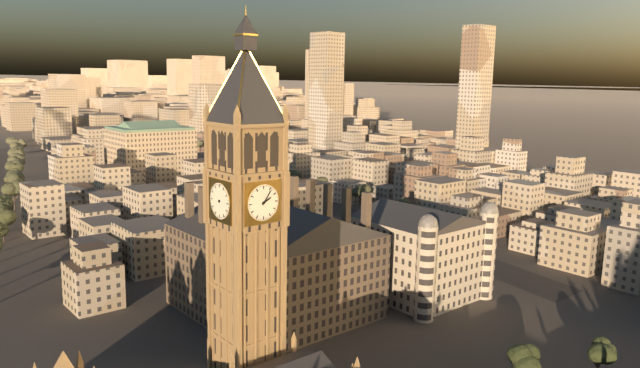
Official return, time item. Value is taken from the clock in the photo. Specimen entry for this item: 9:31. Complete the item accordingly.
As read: 2:06
